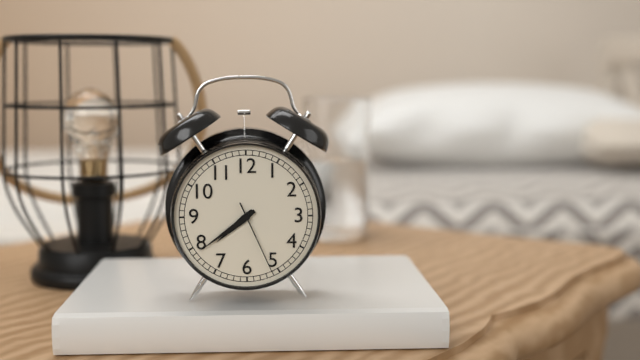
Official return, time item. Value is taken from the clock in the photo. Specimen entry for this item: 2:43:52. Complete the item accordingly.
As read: 7:39:26
